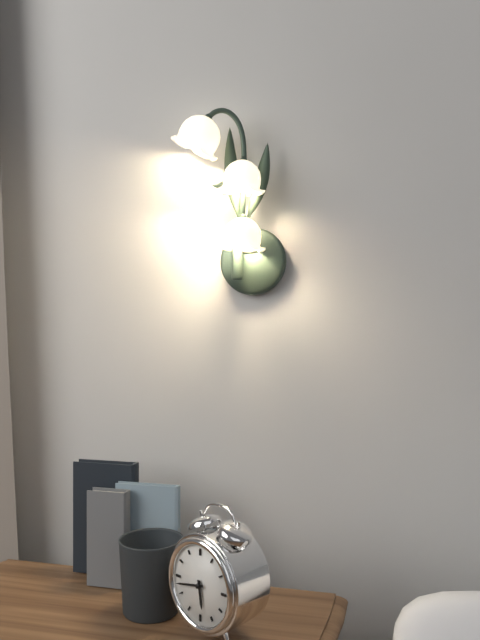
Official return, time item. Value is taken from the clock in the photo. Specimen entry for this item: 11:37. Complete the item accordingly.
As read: 5:43
